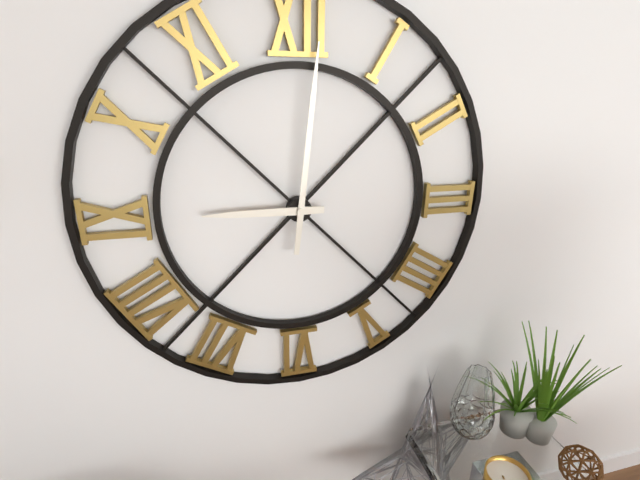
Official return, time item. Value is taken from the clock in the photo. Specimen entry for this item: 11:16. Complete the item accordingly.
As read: 9:01
